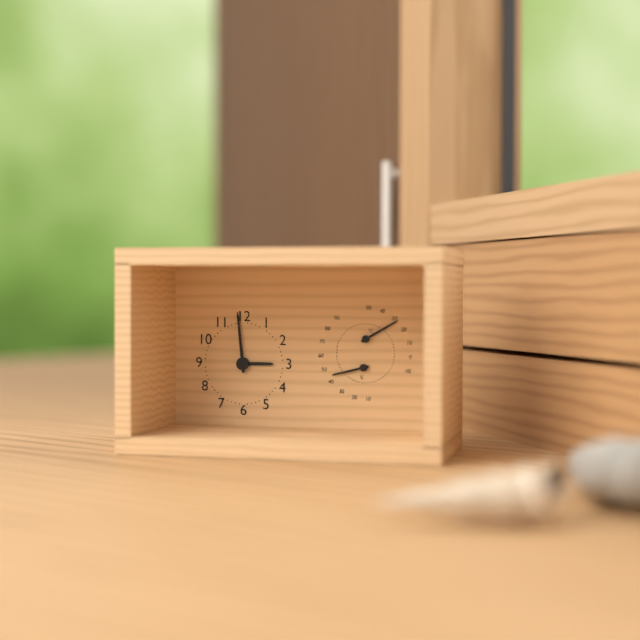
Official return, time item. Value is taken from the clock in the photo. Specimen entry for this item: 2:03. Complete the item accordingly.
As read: 2:59
